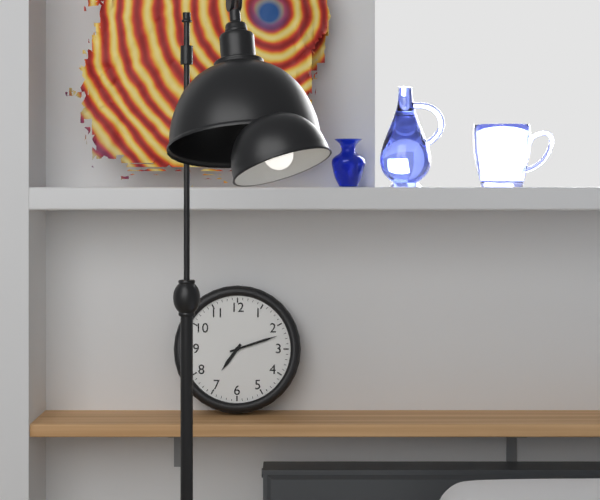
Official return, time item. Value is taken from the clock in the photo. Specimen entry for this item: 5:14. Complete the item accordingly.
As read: 7:12
